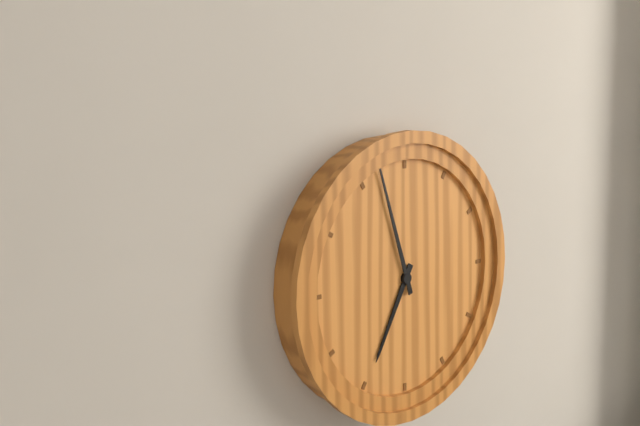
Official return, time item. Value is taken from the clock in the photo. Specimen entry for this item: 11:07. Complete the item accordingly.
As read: 6:57
